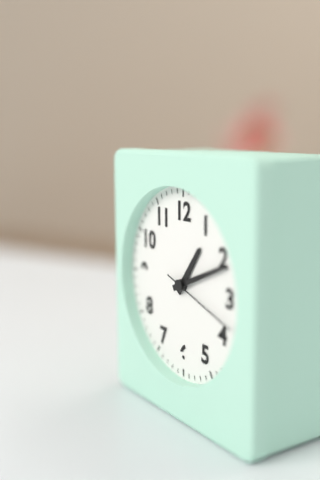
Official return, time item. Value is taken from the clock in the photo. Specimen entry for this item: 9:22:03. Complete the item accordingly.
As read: 1:11:18
